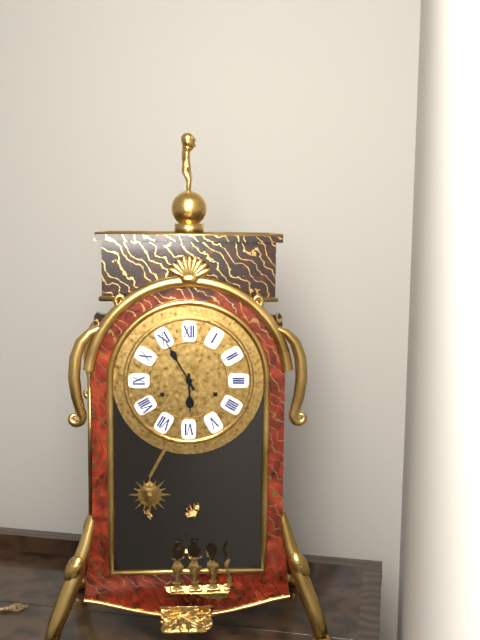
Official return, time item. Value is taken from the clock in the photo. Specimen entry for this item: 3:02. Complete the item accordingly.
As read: 5:55
